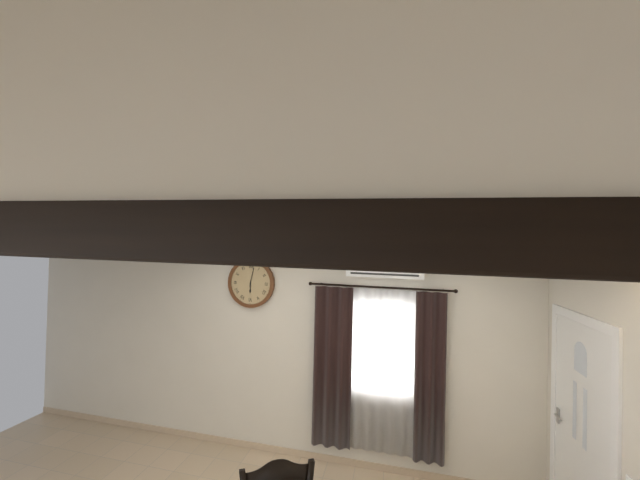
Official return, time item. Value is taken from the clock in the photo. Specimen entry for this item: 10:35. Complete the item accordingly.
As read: 6:02
